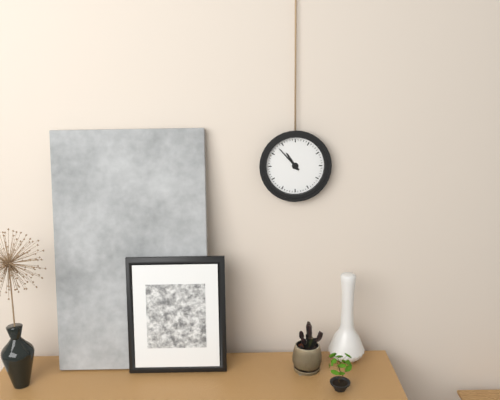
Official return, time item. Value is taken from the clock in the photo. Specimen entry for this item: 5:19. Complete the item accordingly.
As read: 10:53
